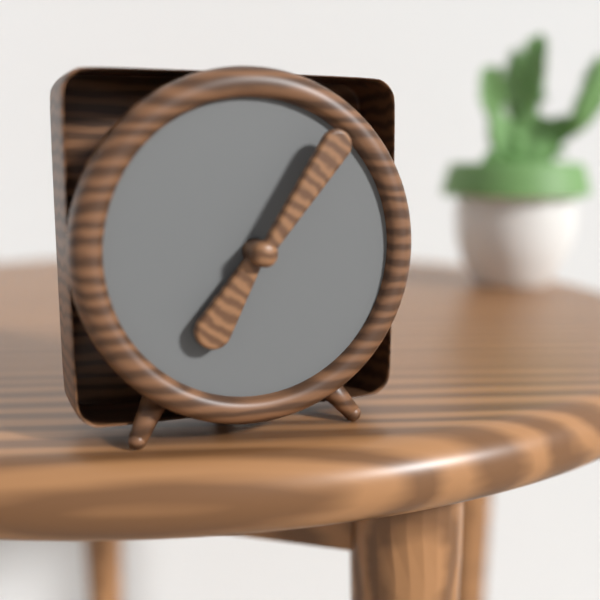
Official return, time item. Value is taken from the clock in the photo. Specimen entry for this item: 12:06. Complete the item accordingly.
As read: 7:06
